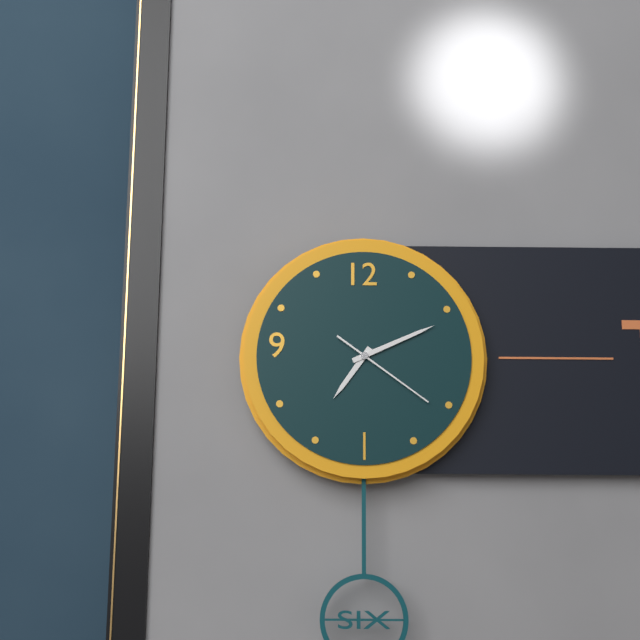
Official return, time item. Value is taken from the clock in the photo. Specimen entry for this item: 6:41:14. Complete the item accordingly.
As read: 7:11:21
